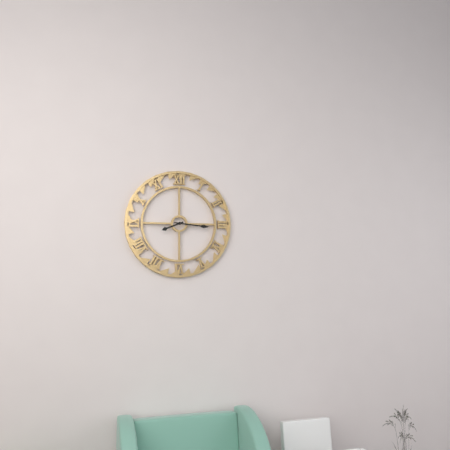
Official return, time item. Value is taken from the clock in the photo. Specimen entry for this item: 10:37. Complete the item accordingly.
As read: 8:16
